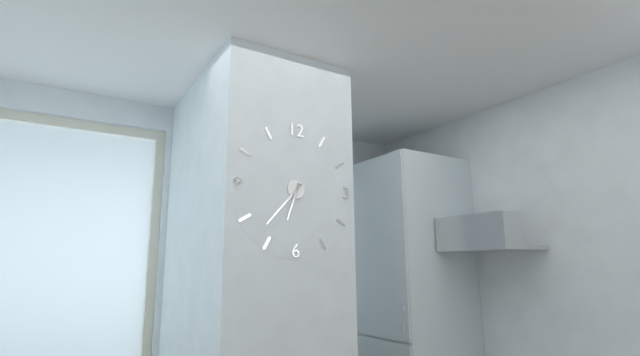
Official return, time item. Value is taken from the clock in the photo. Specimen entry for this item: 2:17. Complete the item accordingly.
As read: 6:37
